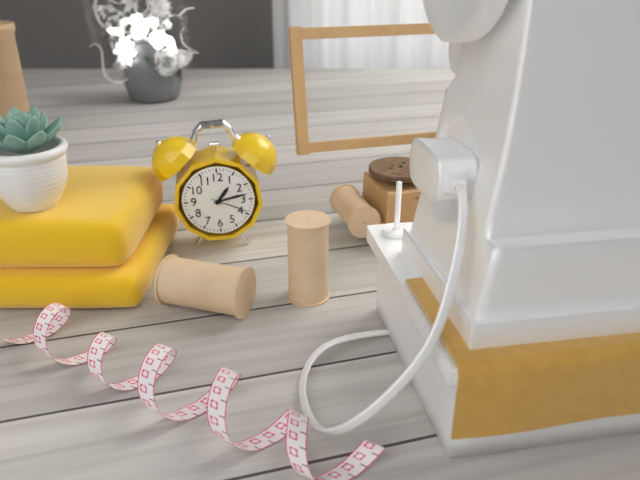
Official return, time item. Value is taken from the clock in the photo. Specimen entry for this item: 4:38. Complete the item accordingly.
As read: 1:13
